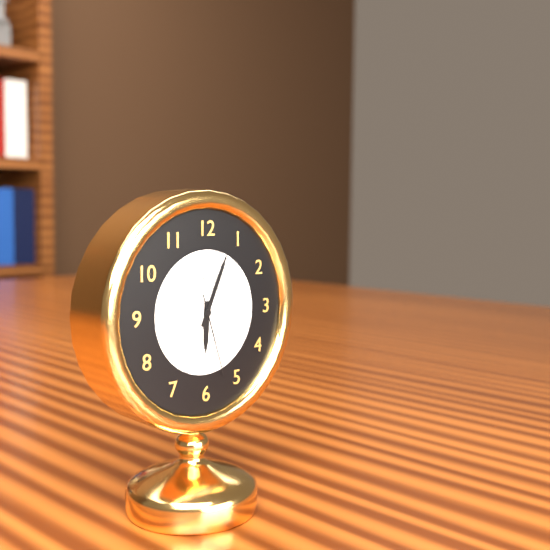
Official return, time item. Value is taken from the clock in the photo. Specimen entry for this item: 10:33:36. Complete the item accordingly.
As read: 6:04:27
